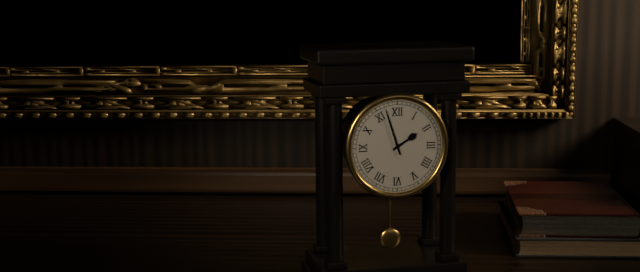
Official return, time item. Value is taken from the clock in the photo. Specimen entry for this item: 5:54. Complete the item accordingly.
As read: 1:57
